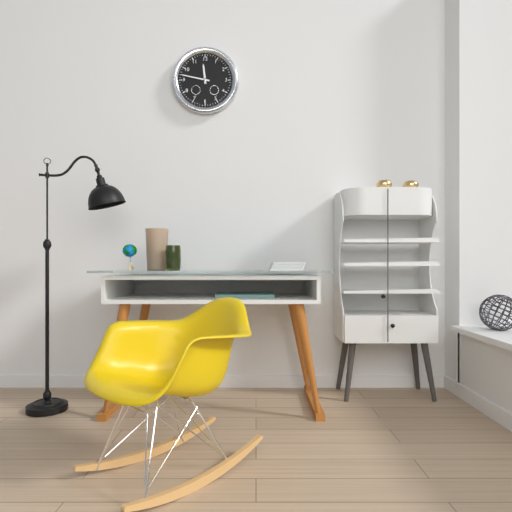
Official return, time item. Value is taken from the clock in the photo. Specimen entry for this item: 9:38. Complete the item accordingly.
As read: 11:47
